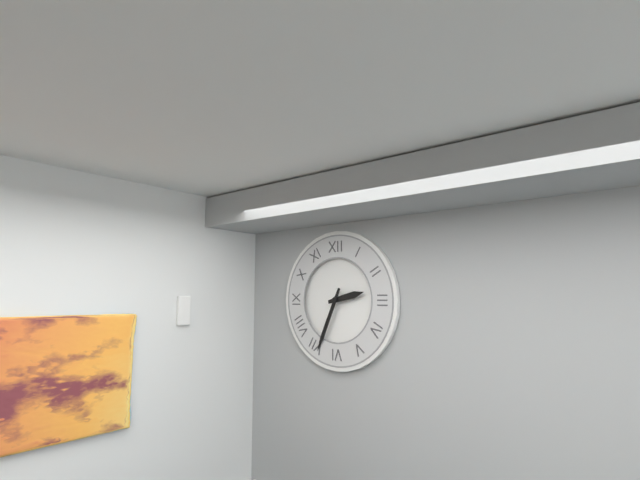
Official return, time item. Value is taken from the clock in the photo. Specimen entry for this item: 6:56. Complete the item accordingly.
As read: 2:34
